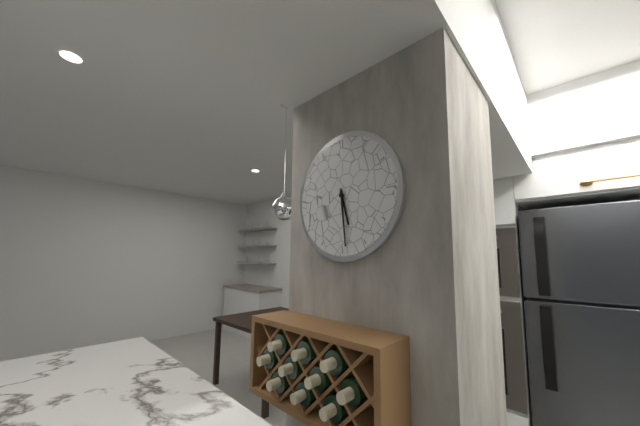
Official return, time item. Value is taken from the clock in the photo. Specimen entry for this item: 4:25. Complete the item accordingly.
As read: 5:29
